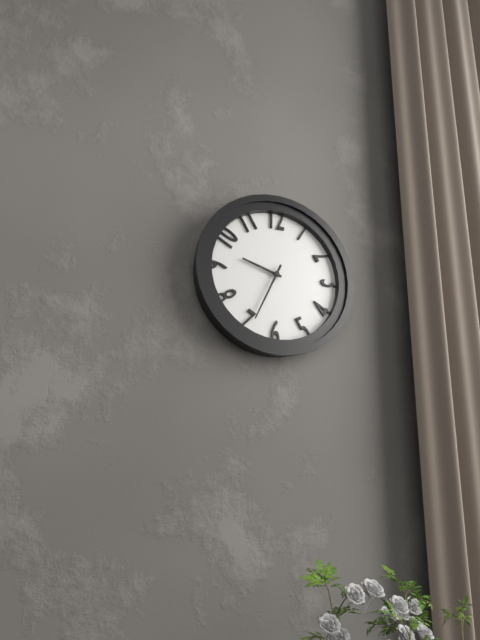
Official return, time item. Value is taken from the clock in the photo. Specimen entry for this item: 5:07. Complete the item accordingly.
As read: 9:34
